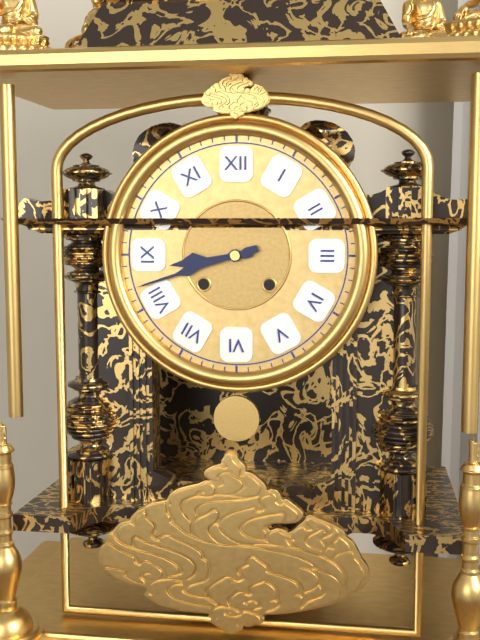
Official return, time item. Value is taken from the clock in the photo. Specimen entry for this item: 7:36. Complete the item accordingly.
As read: 8:42
